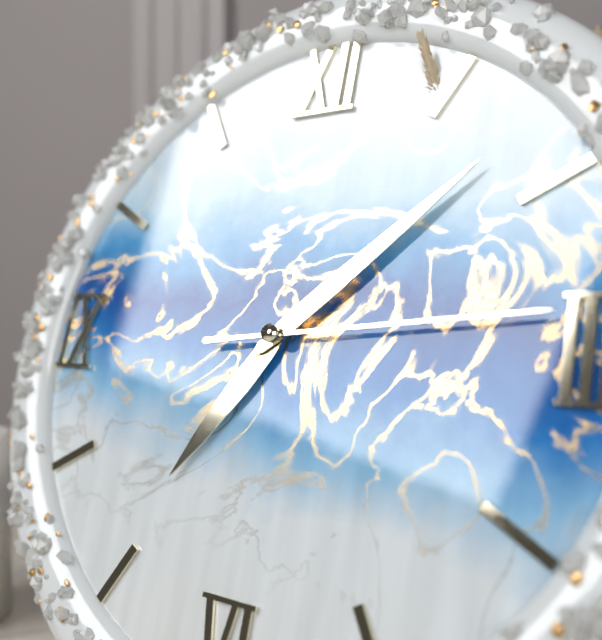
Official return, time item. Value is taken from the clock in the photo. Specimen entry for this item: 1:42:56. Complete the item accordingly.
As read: 7:08:14
